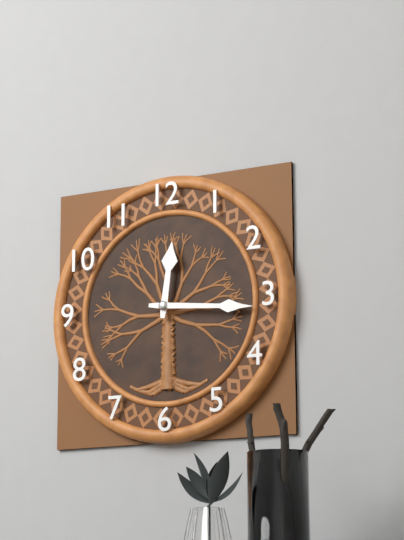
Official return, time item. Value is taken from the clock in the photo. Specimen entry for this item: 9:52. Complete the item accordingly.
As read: 12:16
